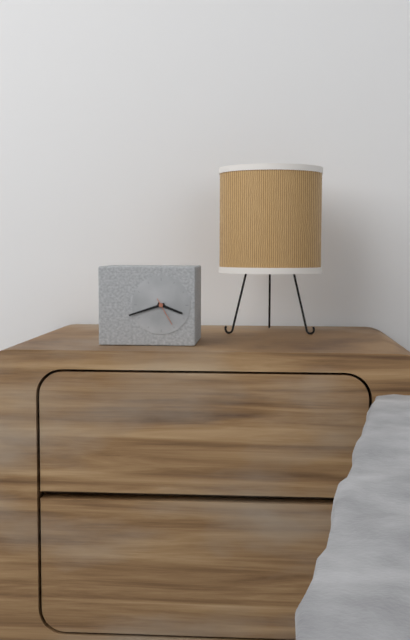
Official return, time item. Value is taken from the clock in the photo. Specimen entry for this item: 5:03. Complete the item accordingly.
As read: 3:42
